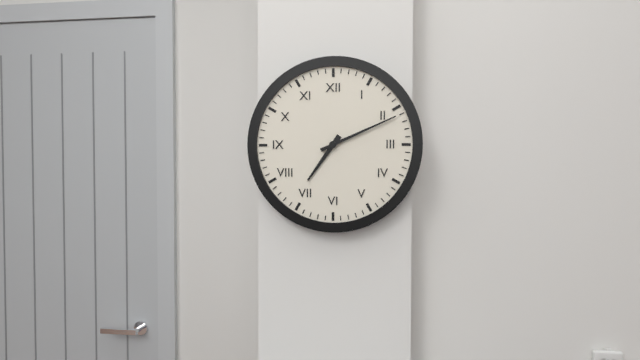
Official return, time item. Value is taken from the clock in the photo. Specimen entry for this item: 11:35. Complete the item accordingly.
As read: 7:11
